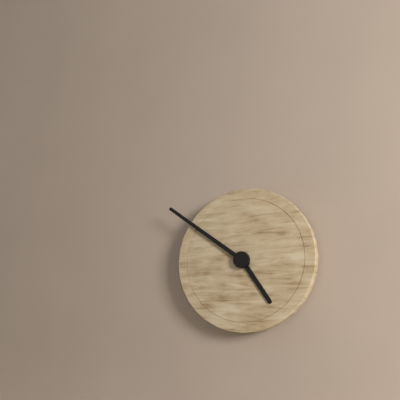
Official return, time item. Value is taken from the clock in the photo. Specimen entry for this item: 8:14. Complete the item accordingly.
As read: 4:51
